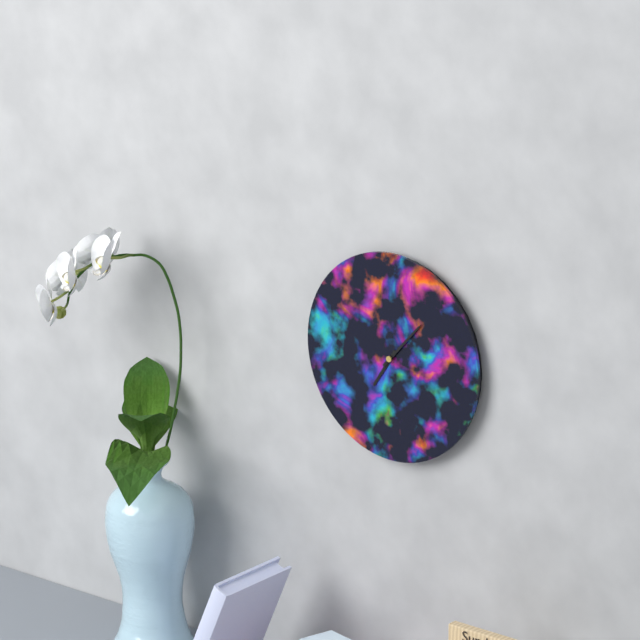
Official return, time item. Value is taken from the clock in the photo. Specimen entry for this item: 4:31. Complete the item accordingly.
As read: 7:07
